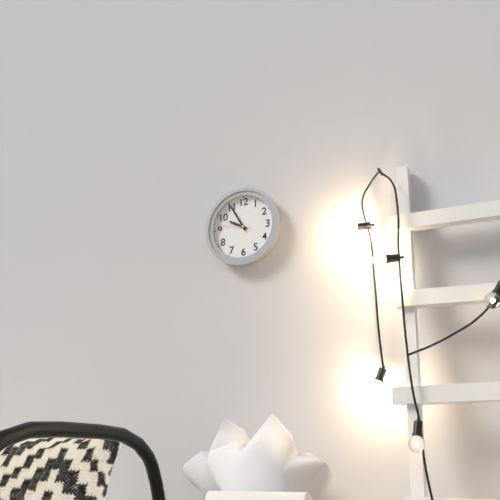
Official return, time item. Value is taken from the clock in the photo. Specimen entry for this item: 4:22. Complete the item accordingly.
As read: 9:55
